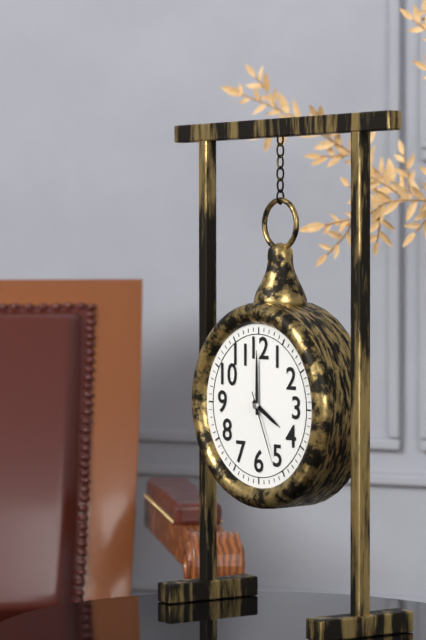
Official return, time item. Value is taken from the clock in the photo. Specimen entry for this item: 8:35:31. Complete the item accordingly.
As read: 4:00:26
